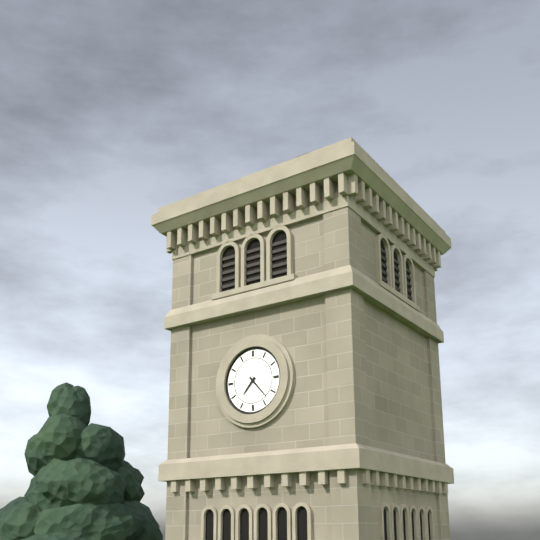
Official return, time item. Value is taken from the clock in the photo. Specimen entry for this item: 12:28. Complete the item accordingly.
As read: 7:23
